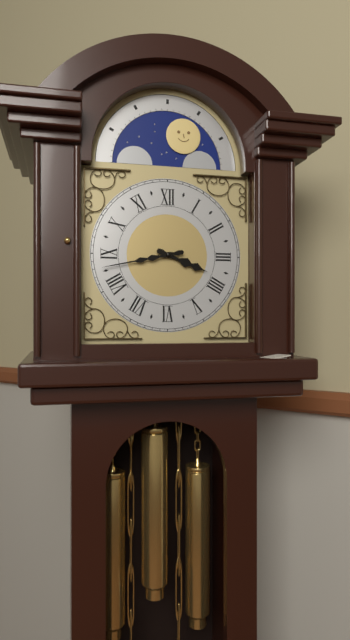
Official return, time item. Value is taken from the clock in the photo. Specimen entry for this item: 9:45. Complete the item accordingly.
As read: 3:43
